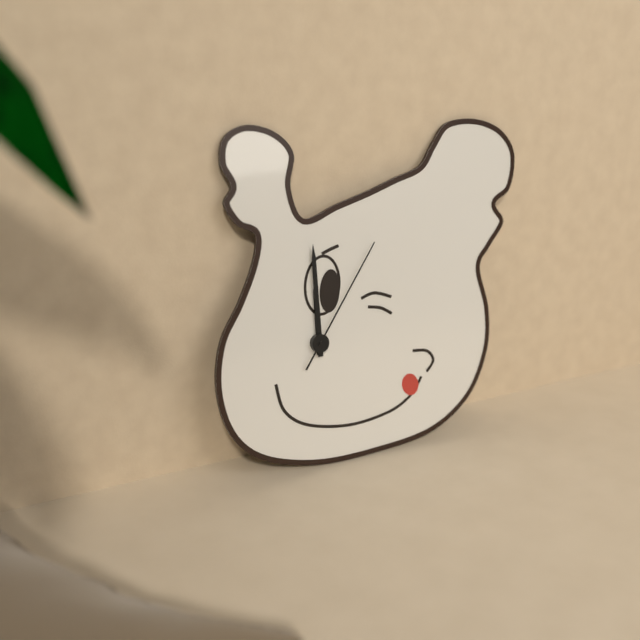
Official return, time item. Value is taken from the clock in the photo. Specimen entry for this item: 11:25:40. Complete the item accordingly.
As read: 12:00:06
